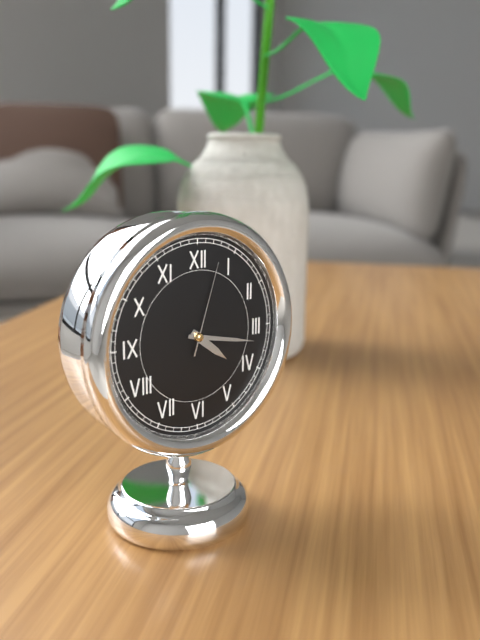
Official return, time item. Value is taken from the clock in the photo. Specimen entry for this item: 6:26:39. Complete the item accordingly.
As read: 4:17:03
